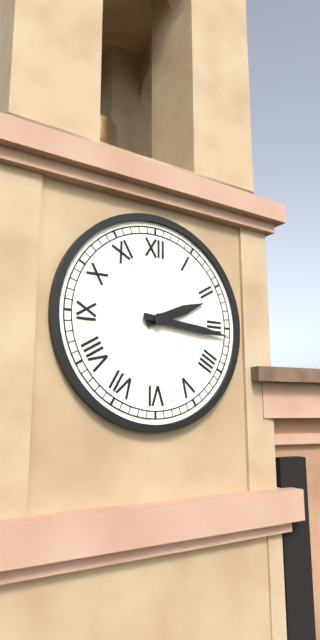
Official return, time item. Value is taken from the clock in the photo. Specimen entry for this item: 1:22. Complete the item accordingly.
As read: 2:16
